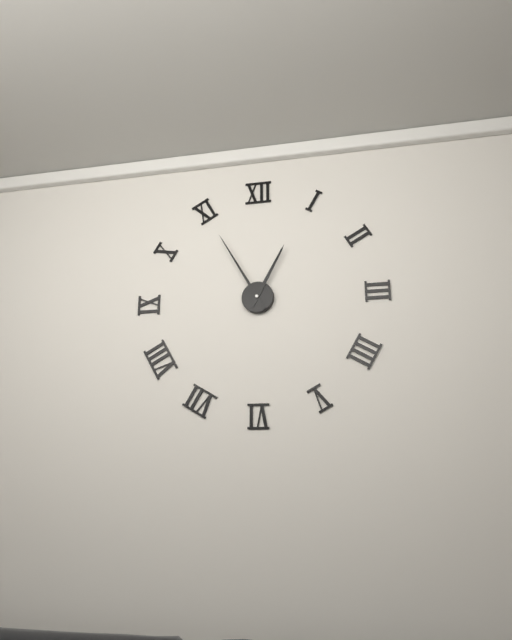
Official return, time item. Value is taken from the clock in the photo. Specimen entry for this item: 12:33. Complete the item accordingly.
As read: 12:55
